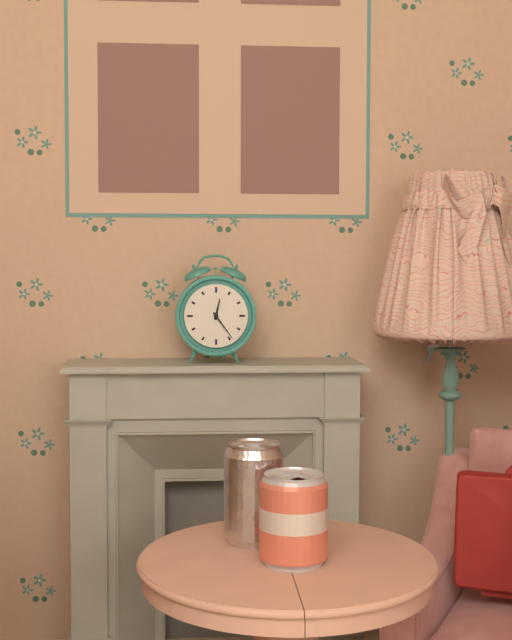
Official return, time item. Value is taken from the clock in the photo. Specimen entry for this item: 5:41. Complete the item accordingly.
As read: 12:24
